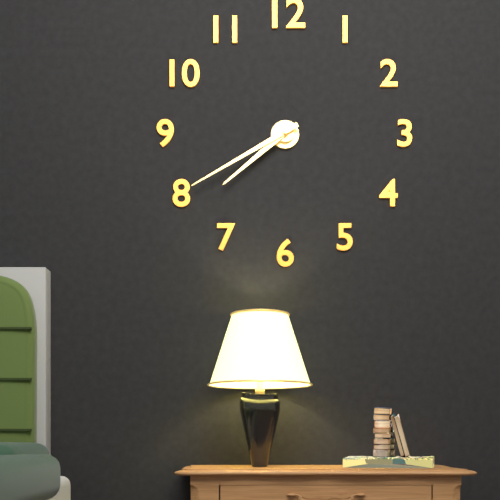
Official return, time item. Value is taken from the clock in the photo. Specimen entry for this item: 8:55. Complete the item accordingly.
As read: 7:40
